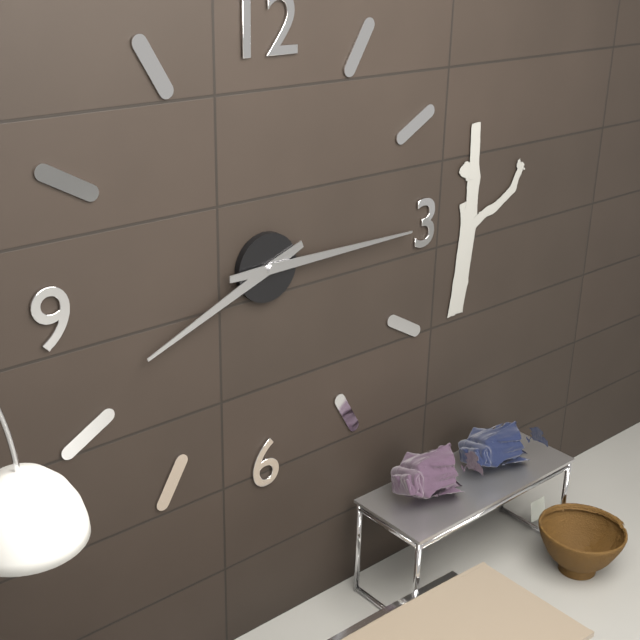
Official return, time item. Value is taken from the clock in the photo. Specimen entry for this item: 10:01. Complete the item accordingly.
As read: 8:15
